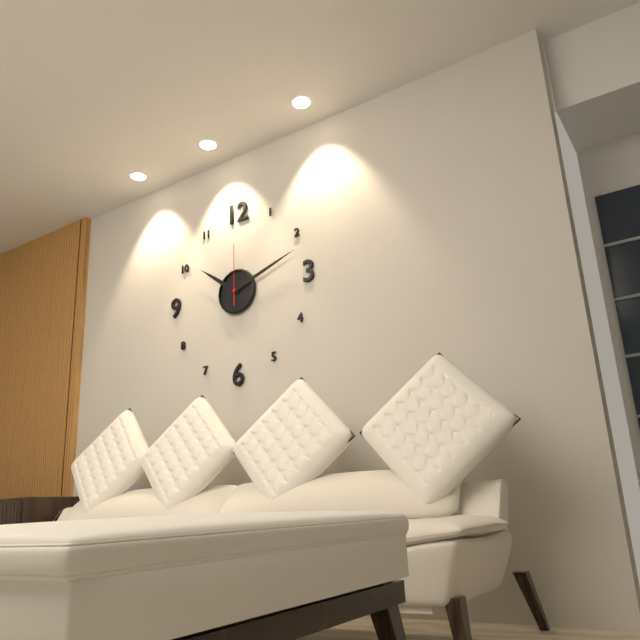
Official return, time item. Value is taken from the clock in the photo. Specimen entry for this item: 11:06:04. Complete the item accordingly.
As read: 10:12:00
